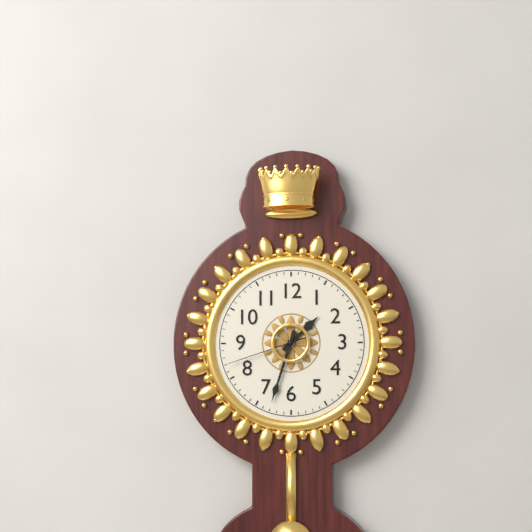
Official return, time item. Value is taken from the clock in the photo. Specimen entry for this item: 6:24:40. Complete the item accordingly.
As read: 1:33:42
